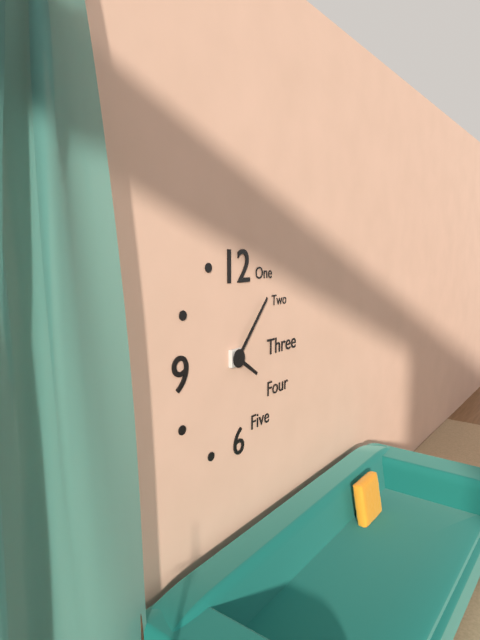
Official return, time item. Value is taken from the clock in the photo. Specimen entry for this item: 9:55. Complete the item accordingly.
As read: 4:07
